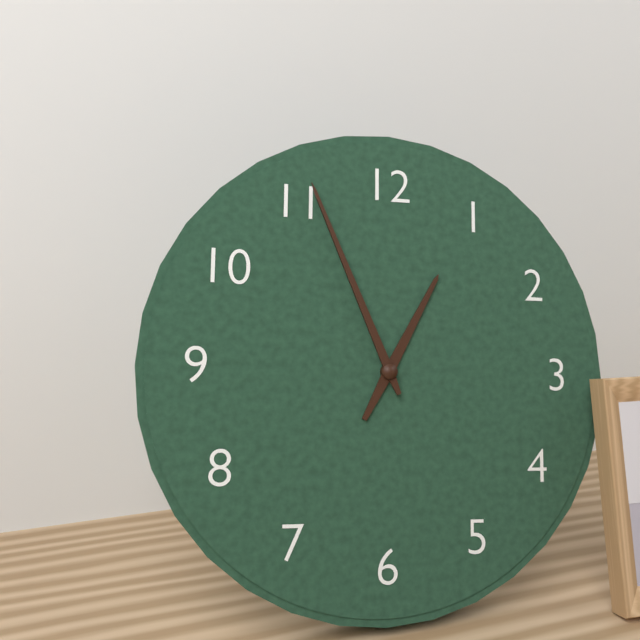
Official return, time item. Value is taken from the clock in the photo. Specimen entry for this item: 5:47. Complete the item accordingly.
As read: 12:56
